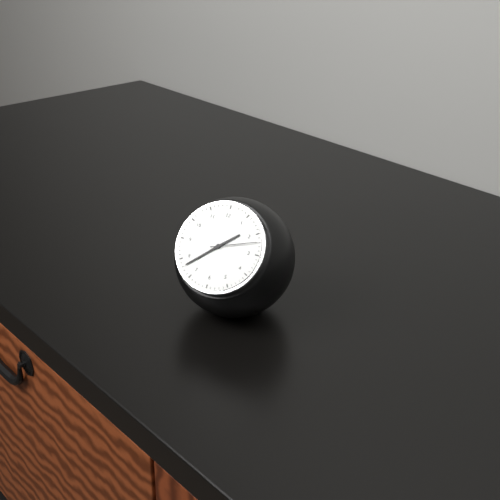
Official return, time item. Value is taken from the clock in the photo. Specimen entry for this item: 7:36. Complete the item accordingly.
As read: 1:38
